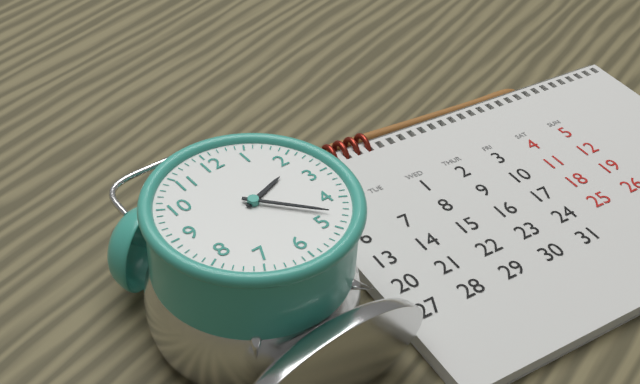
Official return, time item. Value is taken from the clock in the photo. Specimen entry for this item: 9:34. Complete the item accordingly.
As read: 2:23
